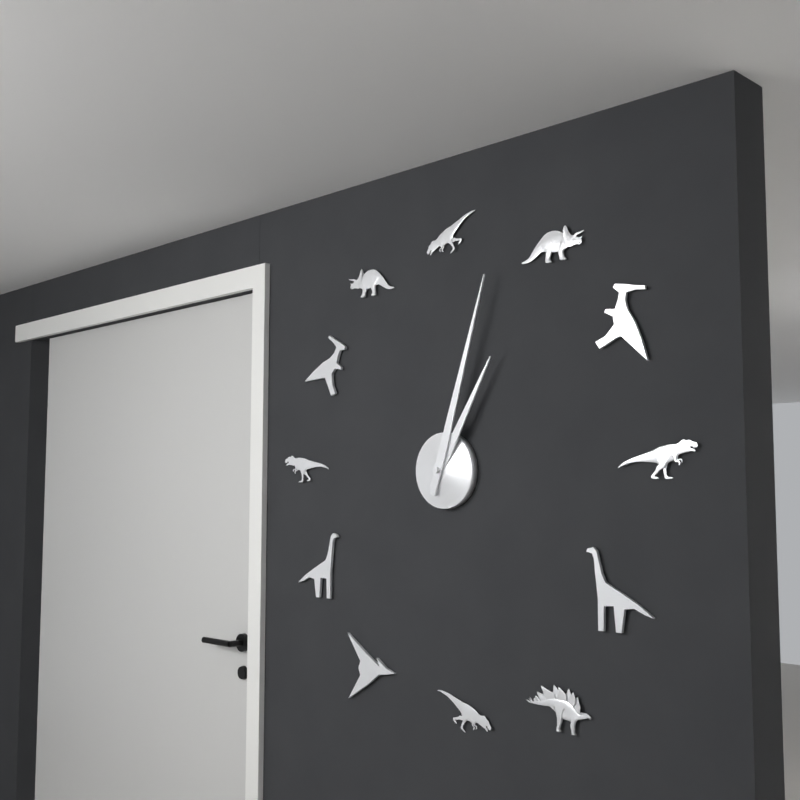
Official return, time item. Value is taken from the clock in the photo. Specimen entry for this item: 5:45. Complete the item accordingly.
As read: 1:03
